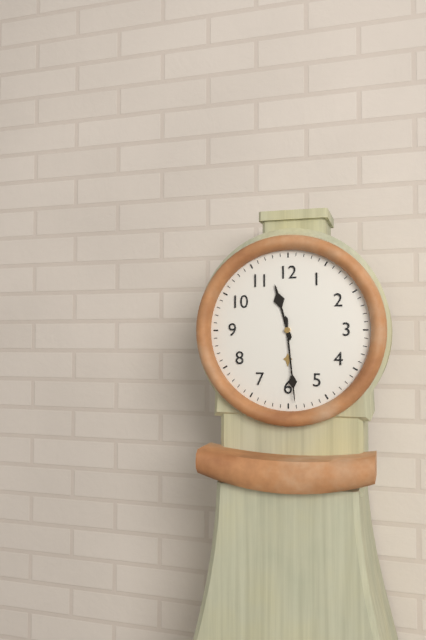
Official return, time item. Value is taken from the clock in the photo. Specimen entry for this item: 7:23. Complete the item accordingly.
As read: 11:29
